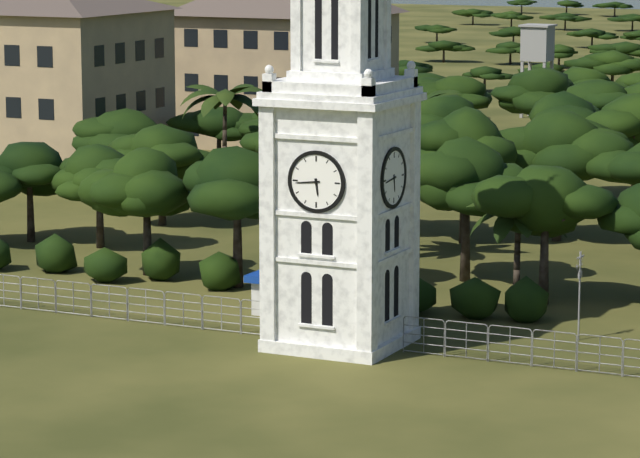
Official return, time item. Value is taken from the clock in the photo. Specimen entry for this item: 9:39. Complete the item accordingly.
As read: 5:44
